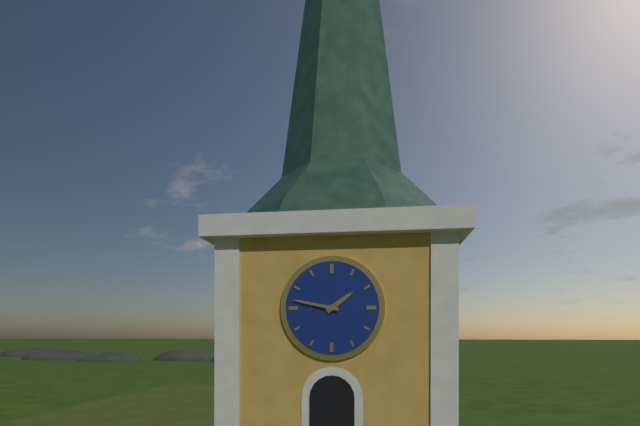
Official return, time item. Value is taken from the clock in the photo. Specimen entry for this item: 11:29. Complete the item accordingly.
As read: 1:47
